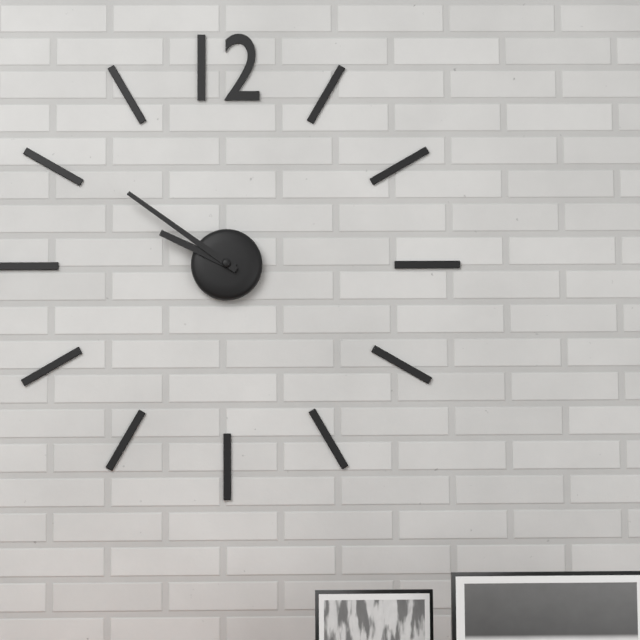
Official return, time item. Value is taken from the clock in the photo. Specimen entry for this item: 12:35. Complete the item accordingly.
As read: 9:51
